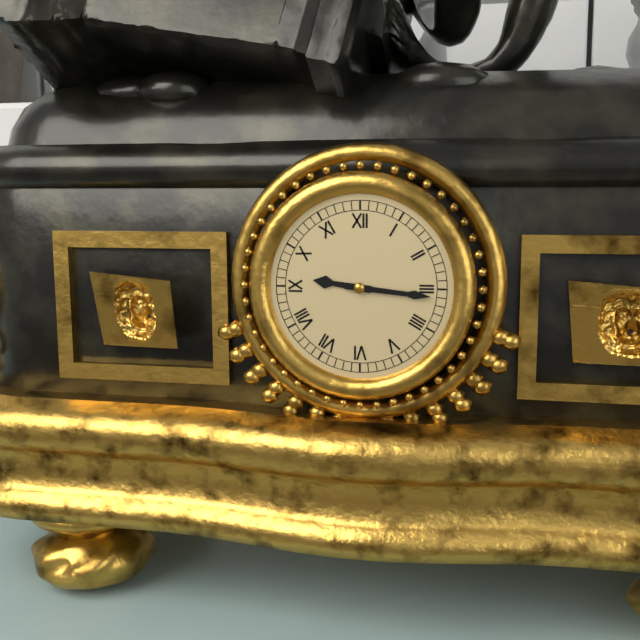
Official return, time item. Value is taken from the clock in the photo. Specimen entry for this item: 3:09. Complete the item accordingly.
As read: 9:16
